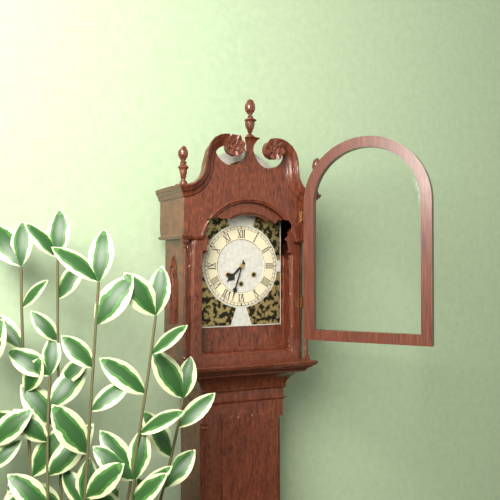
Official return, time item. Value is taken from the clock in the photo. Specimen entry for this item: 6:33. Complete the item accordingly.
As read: 7:33
